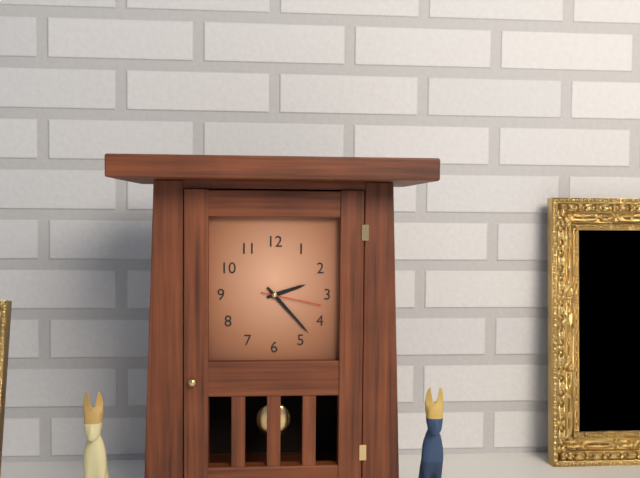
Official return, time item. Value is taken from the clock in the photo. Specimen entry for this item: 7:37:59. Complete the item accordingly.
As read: 2:23:17
